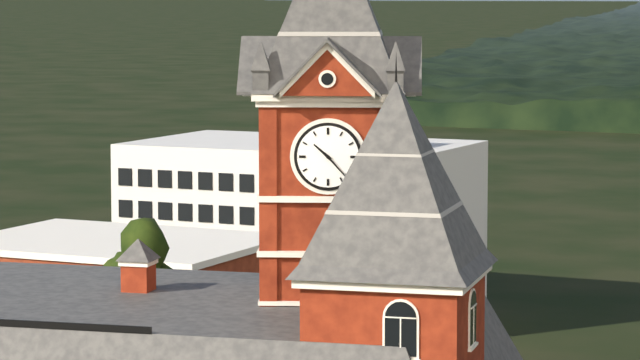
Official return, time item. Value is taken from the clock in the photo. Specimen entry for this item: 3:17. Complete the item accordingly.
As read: 10:23
